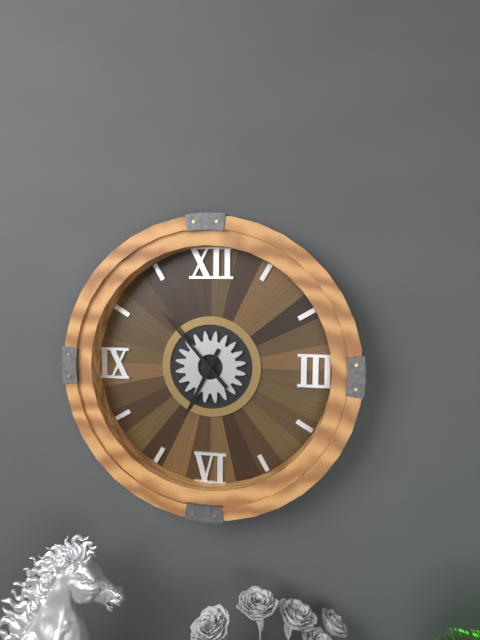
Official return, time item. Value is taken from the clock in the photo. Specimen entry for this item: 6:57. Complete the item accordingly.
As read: 6:53
